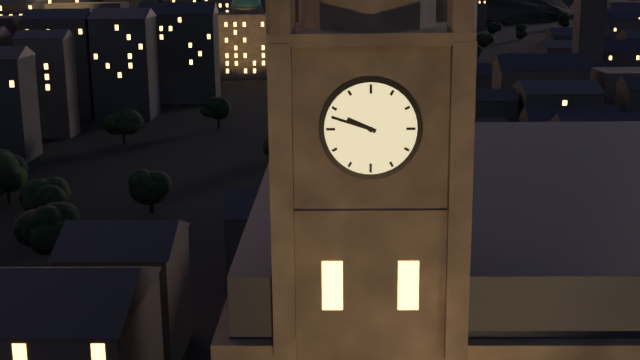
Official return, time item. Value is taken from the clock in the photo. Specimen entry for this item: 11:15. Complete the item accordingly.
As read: 9:48
